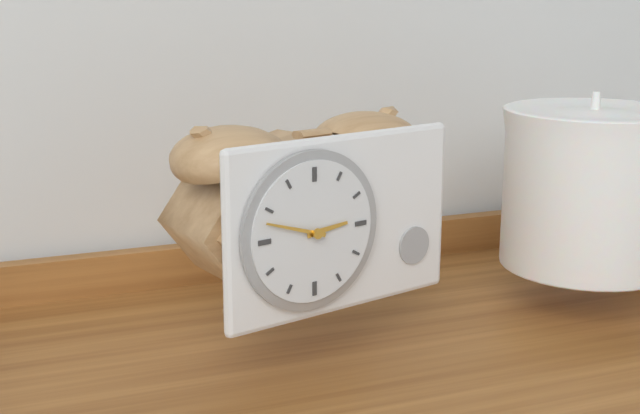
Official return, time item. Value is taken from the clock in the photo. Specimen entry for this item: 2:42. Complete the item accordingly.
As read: 2:48
